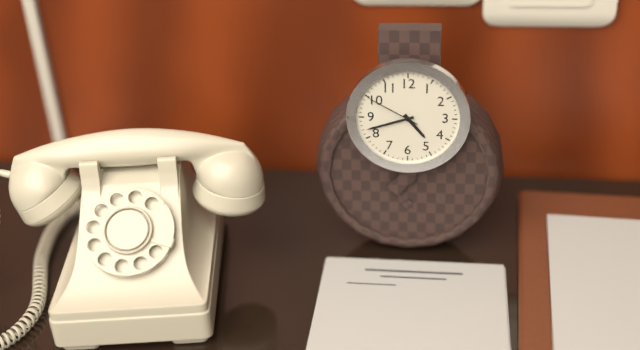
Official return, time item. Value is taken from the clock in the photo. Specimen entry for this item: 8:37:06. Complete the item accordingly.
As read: 4:42:50
